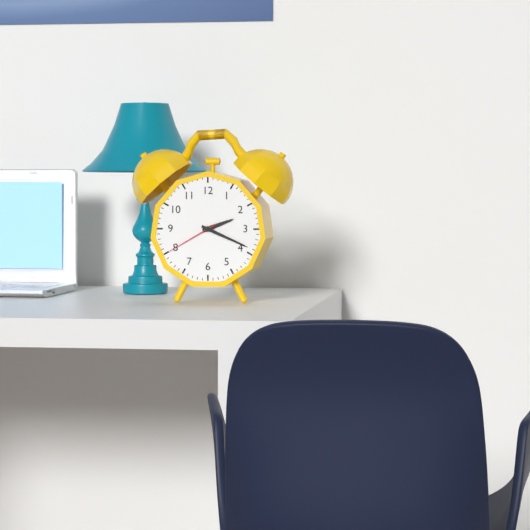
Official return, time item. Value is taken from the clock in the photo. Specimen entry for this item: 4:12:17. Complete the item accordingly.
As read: 2:19:40
